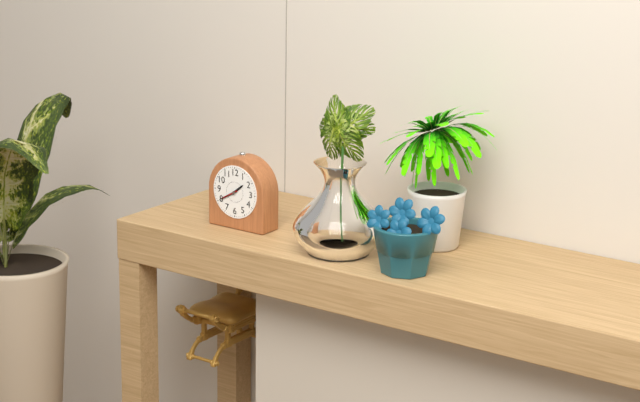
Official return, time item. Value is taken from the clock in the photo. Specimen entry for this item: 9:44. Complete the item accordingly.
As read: 1:40
